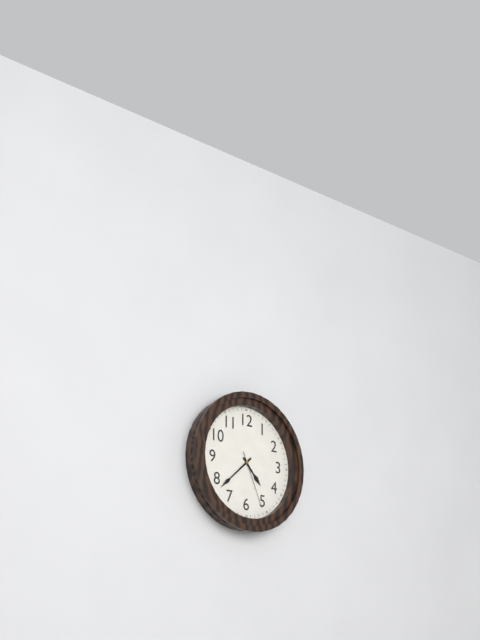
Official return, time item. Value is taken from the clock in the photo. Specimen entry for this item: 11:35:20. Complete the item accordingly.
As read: 4:38:26
